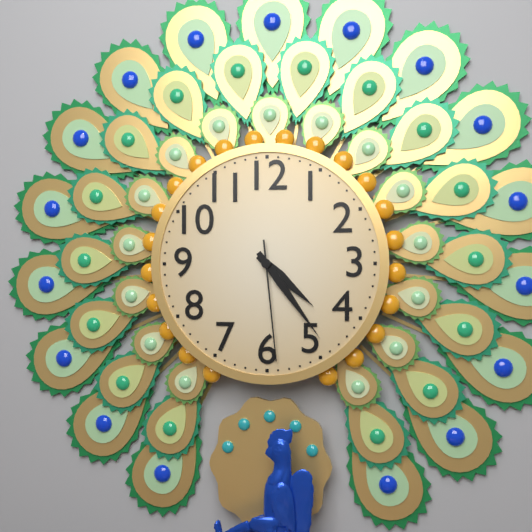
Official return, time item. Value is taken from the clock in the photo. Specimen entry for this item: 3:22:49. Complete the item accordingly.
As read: 4:24:29
